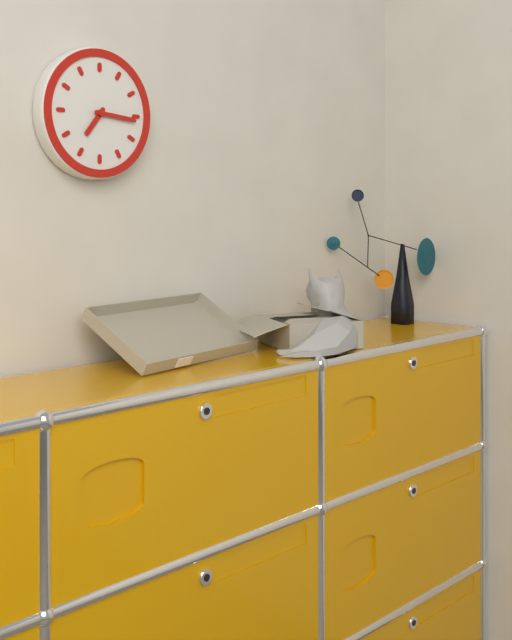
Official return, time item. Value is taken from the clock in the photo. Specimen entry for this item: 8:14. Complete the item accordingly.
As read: 7:16
